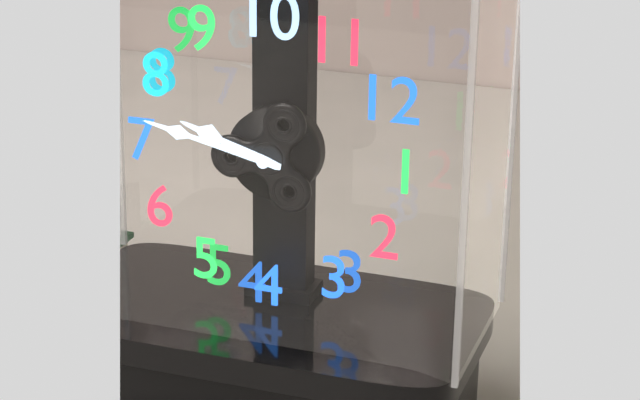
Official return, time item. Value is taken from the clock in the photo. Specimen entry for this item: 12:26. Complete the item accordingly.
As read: 7:37
